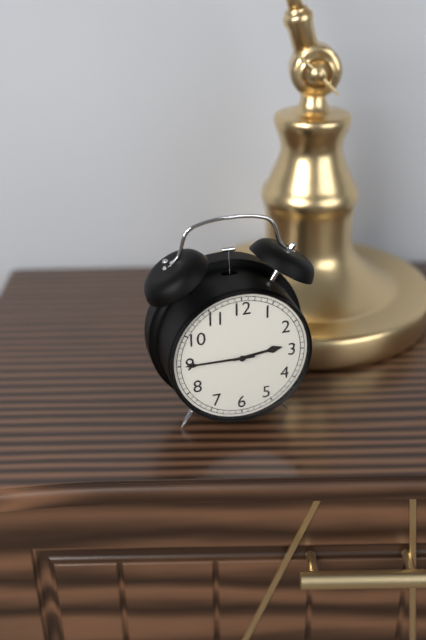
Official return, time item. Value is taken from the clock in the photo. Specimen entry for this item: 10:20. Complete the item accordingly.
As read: 2:45
